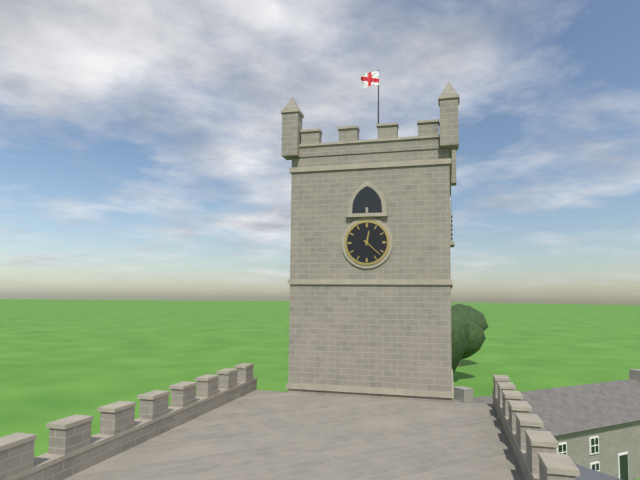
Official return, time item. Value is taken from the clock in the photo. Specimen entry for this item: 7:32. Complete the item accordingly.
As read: 12:22
